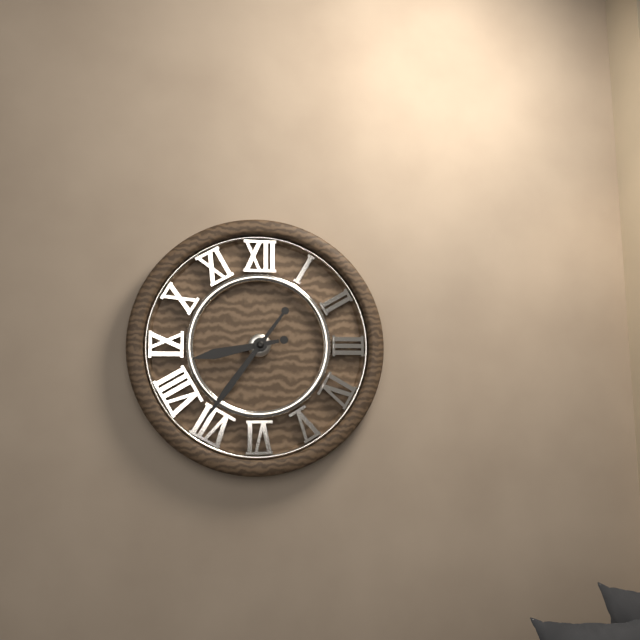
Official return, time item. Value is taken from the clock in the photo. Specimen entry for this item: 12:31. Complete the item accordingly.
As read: 8:36
